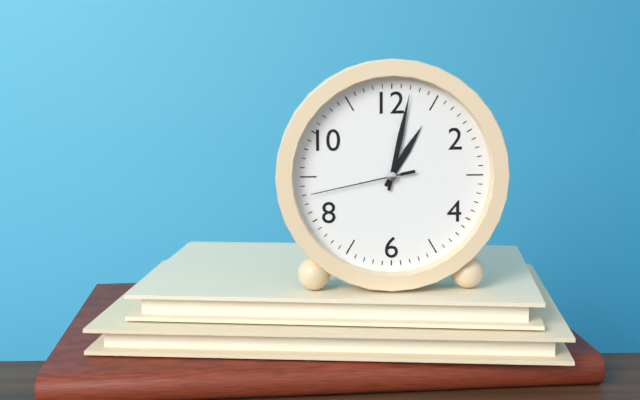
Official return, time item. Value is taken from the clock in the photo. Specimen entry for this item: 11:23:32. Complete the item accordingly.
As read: 1:02:43
